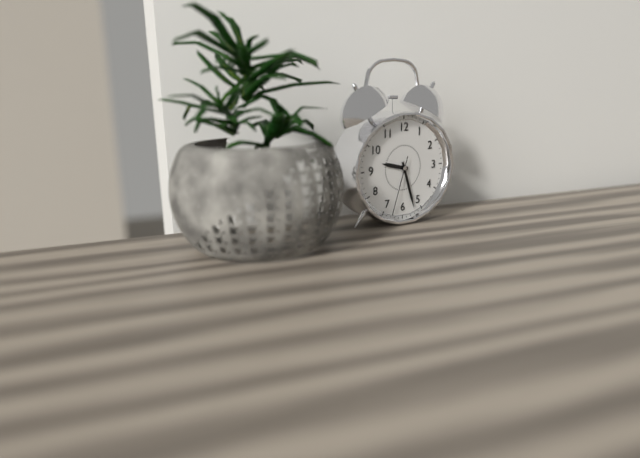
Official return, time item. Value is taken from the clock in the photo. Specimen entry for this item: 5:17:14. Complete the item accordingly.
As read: 9:27:33
